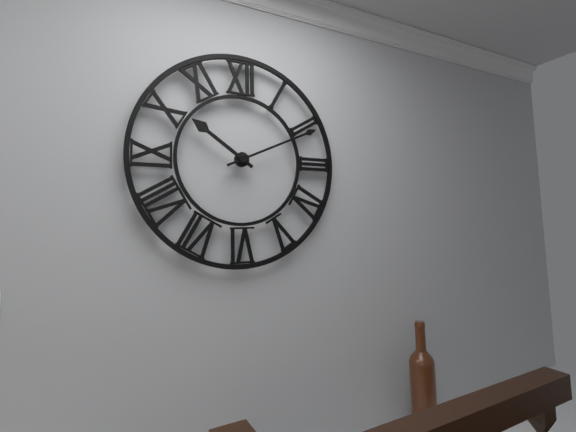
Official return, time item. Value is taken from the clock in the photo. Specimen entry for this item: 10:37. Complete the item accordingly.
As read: 10:11
